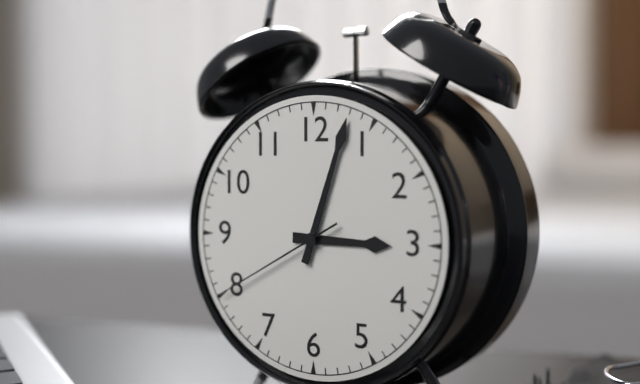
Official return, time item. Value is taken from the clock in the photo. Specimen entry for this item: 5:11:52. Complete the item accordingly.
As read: 3:03:40
